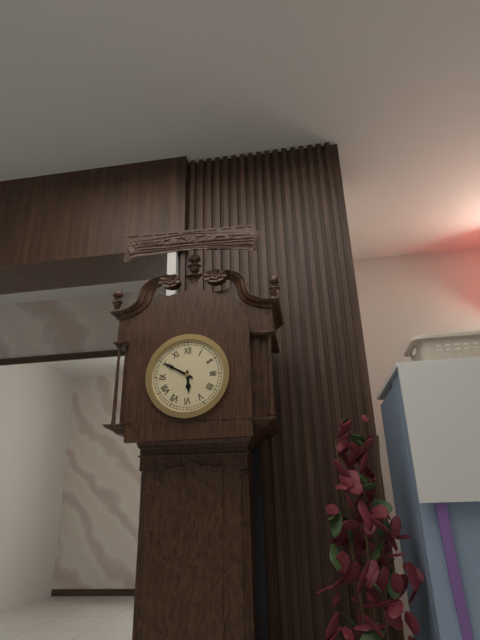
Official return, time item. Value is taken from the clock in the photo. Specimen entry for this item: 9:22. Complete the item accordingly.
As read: 5:50
